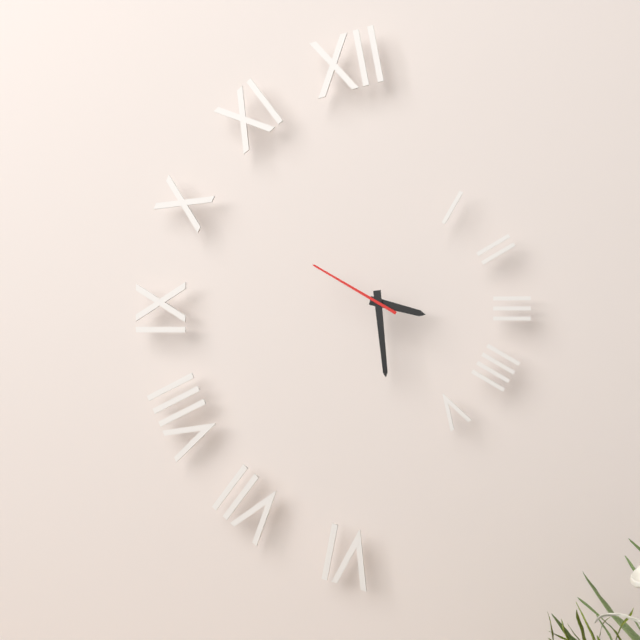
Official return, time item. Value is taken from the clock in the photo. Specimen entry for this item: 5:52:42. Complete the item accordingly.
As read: 3:29:50
